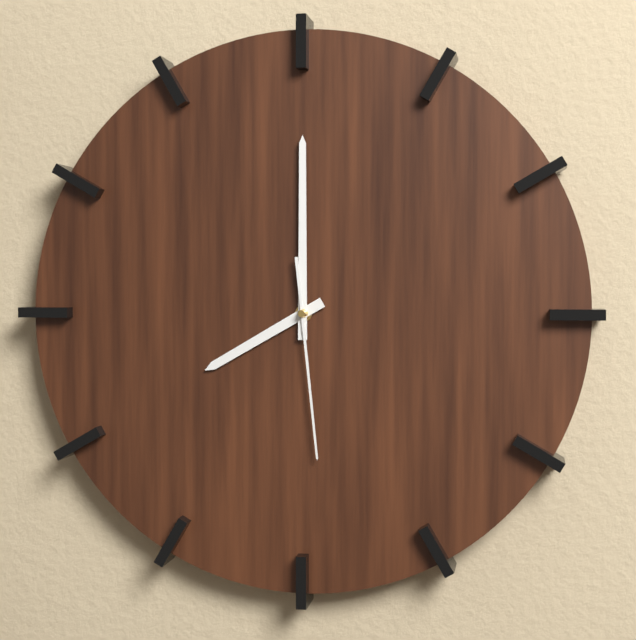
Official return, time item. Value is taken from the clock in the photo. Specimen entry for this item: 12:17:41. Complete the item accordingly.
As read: 8:00:29
